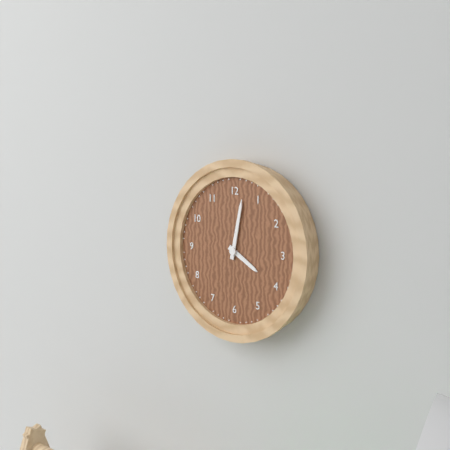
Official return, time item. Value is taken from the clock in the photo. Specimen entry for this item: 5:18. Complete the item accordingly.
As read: 4:02
